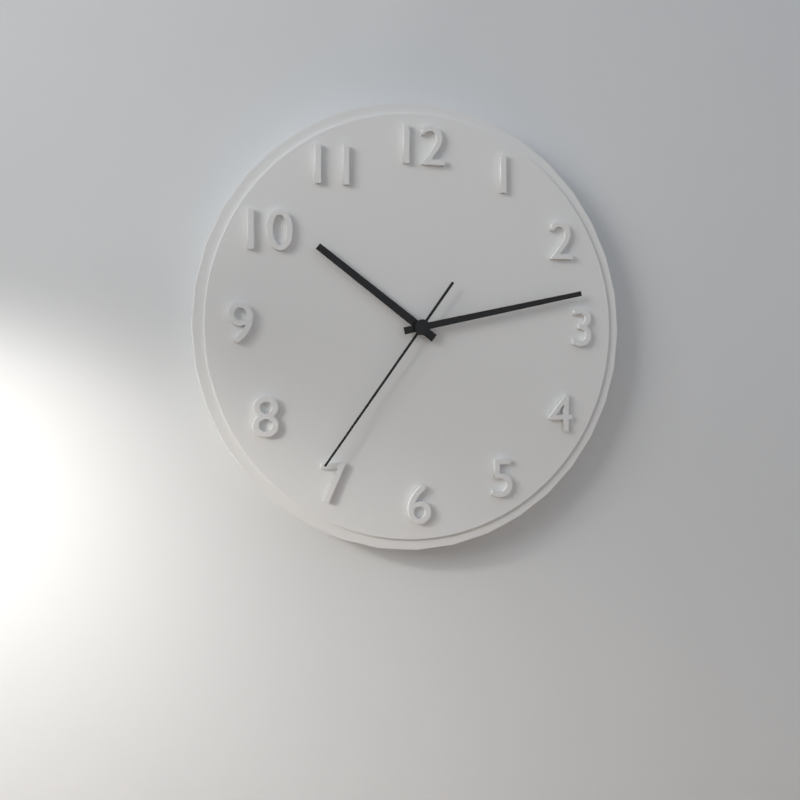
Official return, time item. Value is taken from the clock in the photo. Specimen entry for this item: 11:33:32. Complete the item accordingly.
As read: 10:13:36
